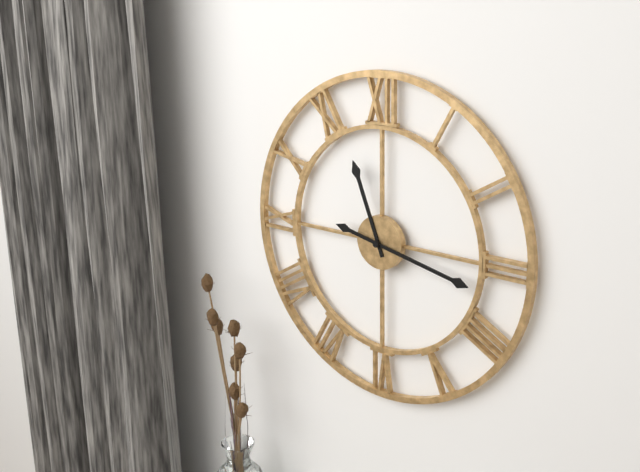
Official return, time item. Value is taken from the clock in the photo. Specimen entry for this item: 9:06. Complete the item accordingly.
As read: 11:17
